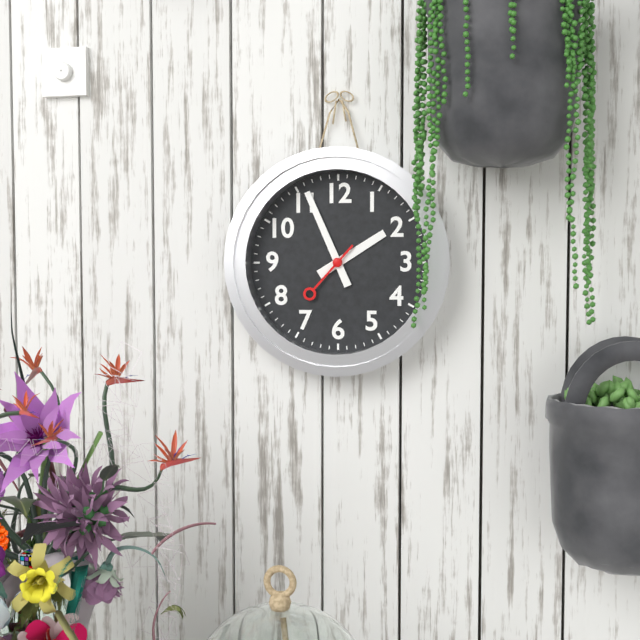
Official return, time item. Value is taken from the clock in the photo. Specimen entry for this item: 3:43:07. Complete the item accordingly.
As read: 1:56:37
